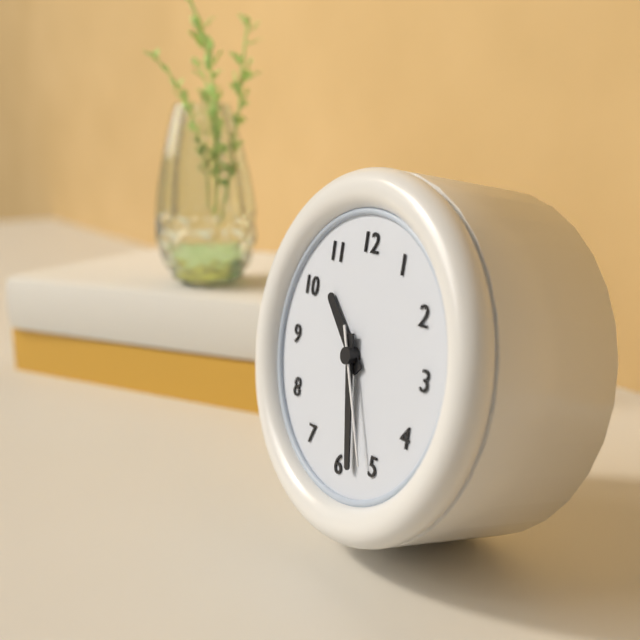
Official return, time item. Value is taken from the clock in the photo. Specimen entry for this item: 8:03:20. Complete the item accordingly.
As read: 10:28:26
